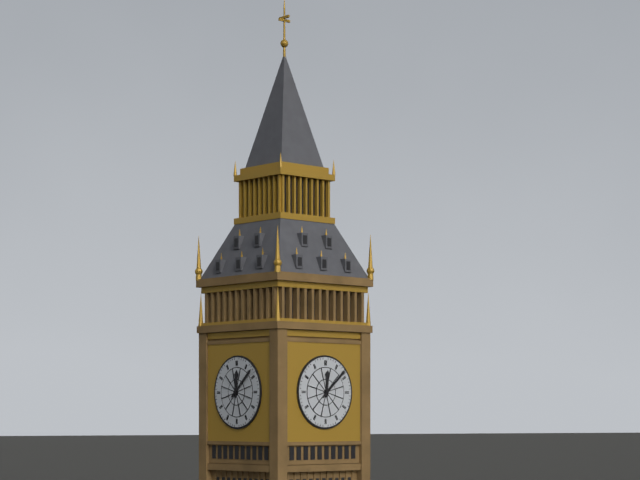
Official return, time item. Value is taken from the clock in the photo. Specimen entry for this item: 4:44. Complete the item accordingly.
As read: 12:08
